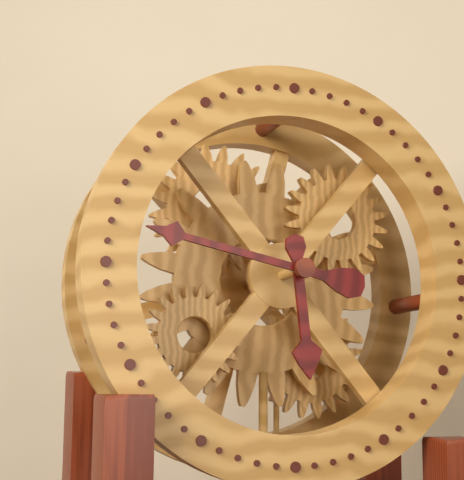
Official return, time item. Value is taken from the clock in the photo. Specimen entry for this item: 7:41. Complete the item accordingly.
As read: 5:47
